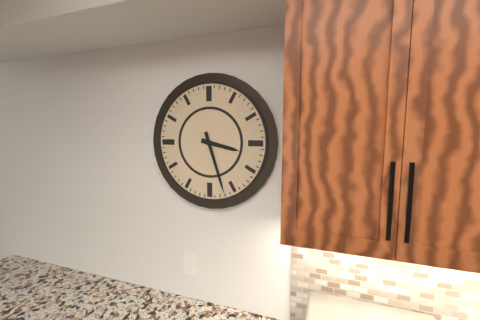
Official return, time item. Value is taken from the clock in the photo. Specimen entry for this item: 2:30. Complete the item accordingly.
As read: 3:27
